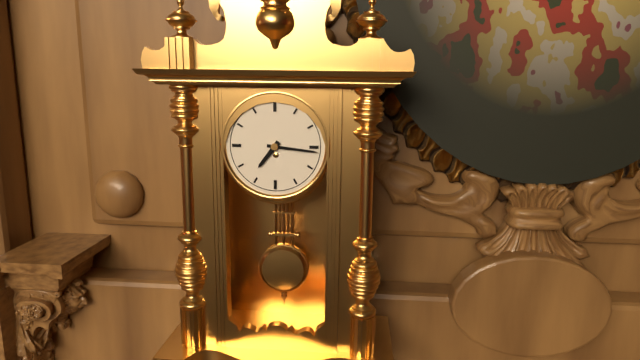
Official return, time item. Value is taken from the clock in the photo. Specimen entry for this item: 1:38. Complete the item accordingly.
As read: 7:16
